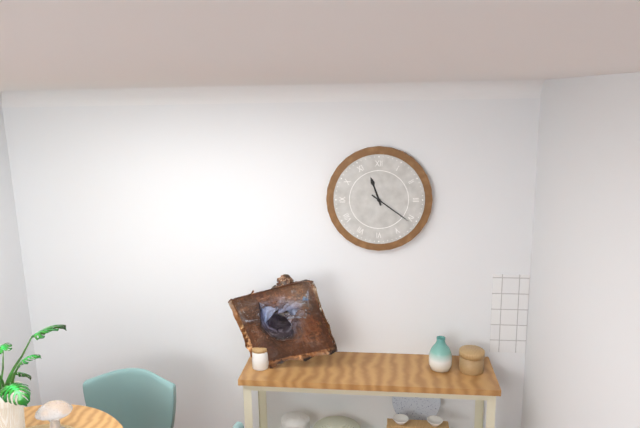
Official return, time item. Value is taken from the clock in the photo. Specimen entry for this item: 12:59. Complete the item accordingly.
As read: 11:21
